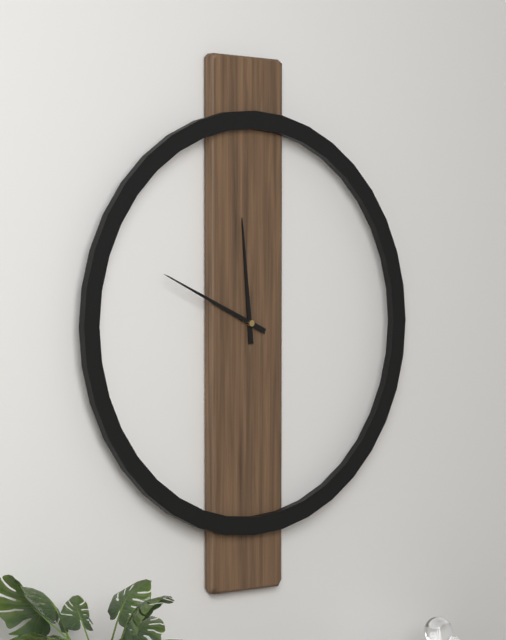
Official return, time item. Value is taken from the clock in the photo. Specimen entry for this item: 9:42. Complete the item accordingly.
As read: 11:49
